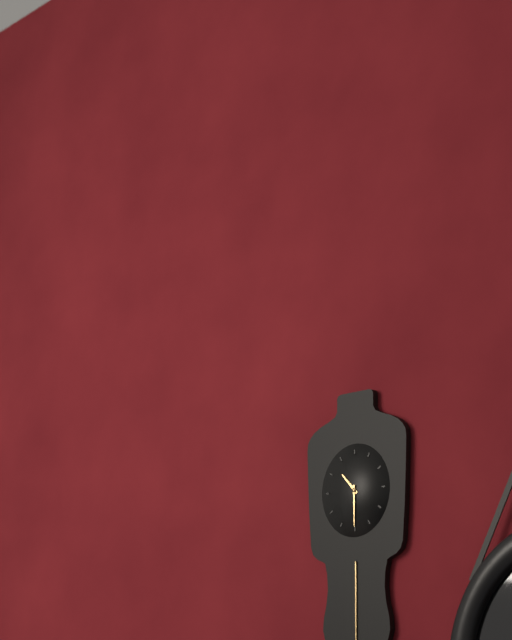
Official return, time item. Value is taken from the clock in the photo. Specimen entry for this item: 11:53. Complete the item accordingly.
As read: 10:30
